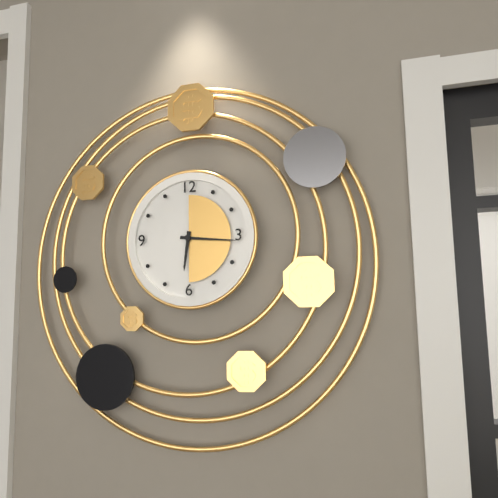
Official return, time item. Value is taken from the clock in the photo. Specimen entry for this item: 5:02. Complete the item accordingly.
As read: 6:16
